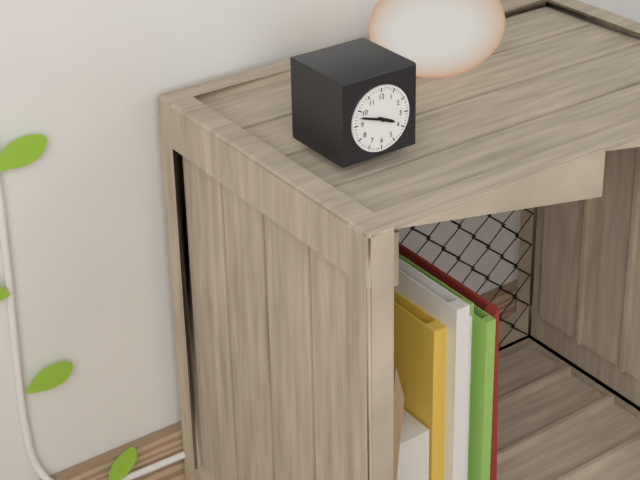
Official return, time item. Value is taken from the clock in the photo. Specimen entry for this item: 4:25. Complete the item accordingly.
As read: 3:48
